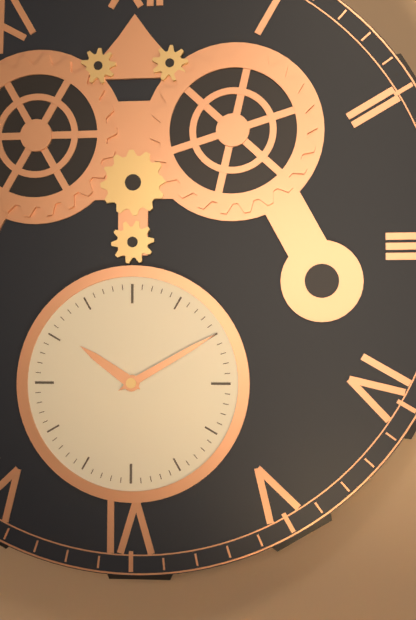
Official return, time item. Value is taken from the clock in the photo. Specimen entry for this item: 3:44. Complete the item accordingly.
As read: 10:10
